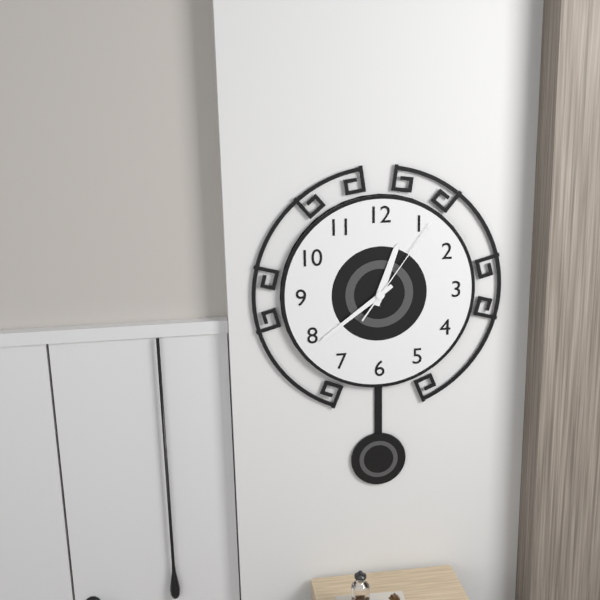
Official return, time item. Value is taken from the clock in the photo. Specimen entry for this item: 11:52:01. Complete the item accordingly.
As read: 12:39:06
